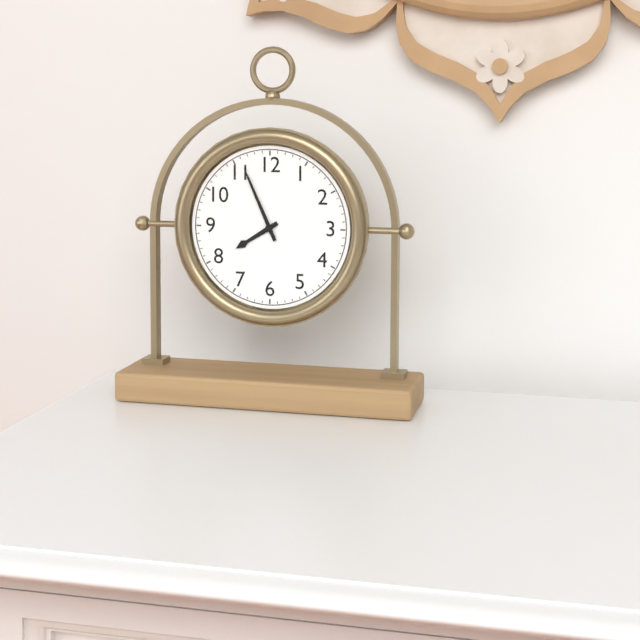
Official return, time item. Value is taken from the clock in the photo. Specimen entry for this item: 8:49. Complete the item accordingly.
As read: 7:56
